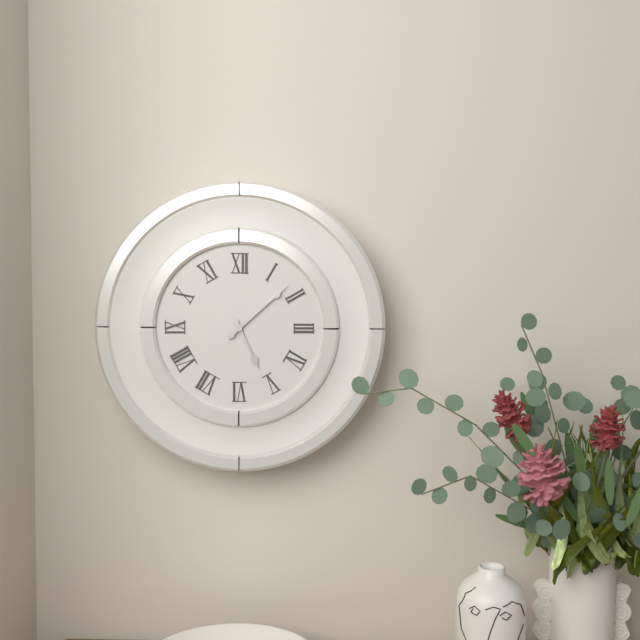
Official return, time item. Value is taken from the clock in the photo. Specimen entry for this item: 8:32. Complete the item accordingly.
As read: 5:08
